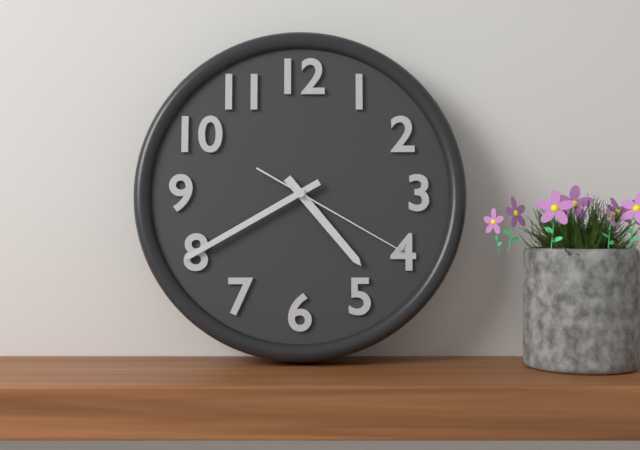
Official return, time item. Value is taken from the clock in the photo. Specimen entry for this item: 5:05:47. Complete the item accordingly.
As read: 4:40:20
